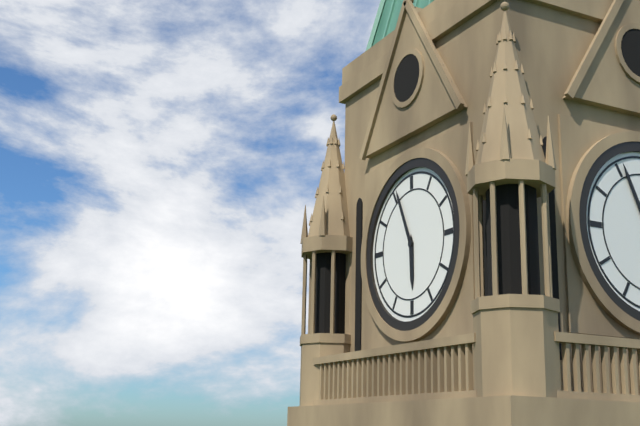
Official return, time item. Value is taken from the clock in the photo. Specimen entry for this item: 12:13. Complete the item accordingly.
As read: 5:56
